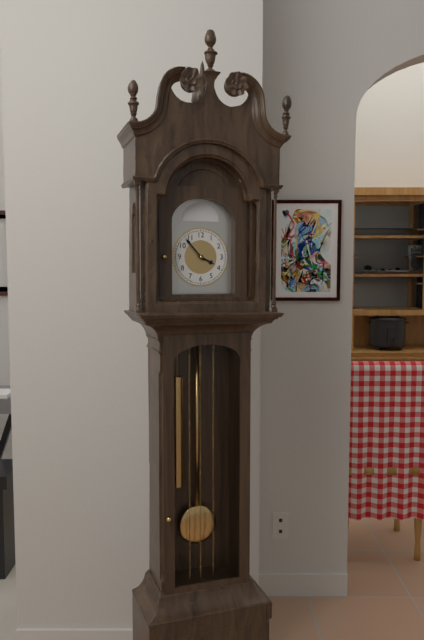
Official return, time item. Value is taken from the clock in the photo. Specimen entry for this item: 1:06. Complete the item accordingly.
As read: 3:53
